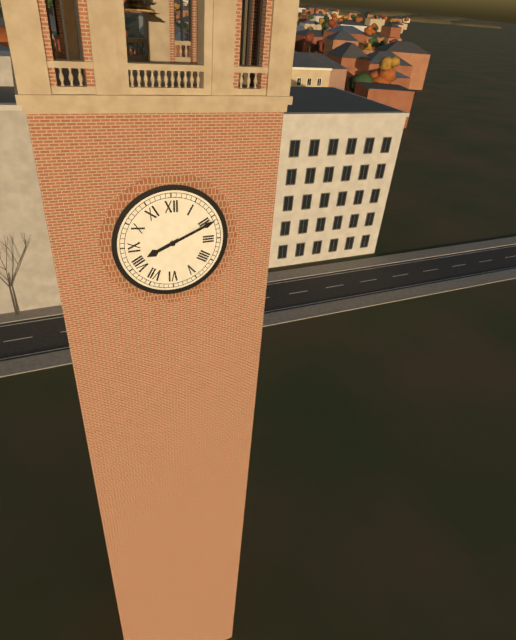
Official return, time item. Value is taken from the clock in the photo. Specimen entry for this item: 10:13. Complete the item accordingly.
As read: 8:11
